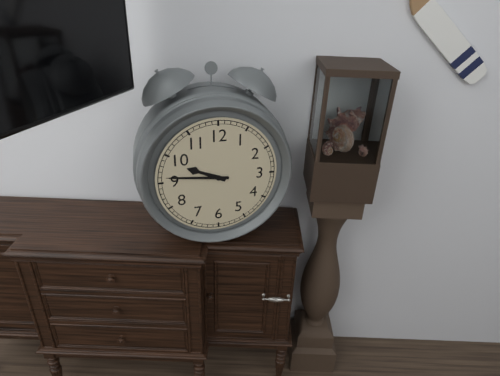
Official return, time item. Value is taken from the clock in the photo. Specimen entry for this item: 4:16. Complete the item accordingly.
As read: 9:46
